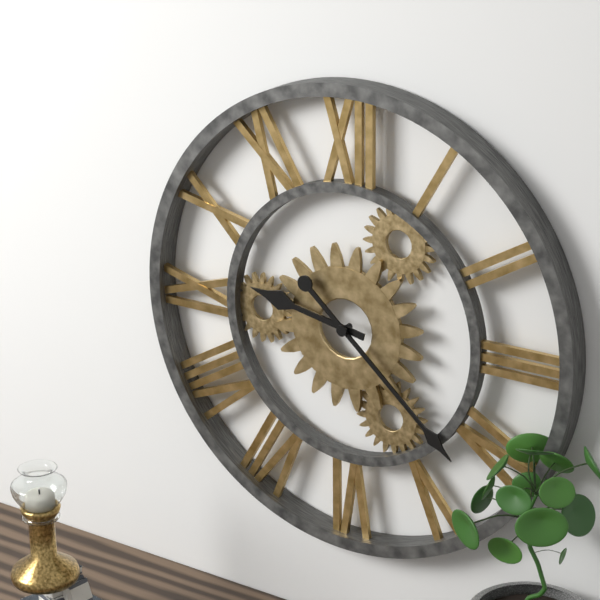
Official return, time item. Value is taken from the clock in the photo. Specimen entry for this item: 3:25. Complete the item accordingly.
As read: 9:22
